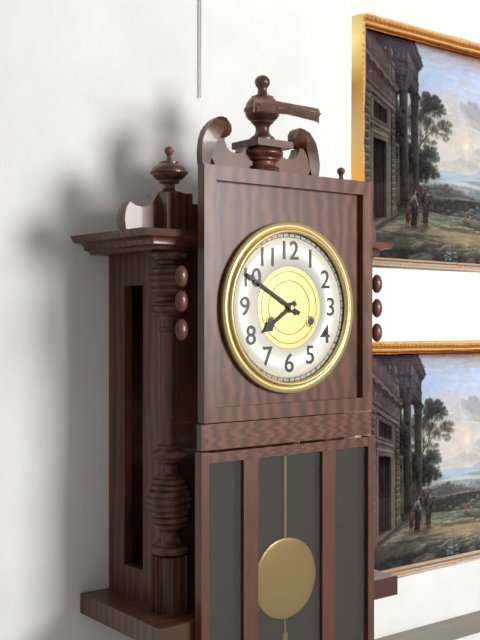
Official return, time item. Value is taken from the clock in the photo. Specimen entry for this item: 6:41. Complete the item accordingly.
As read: 7:50
